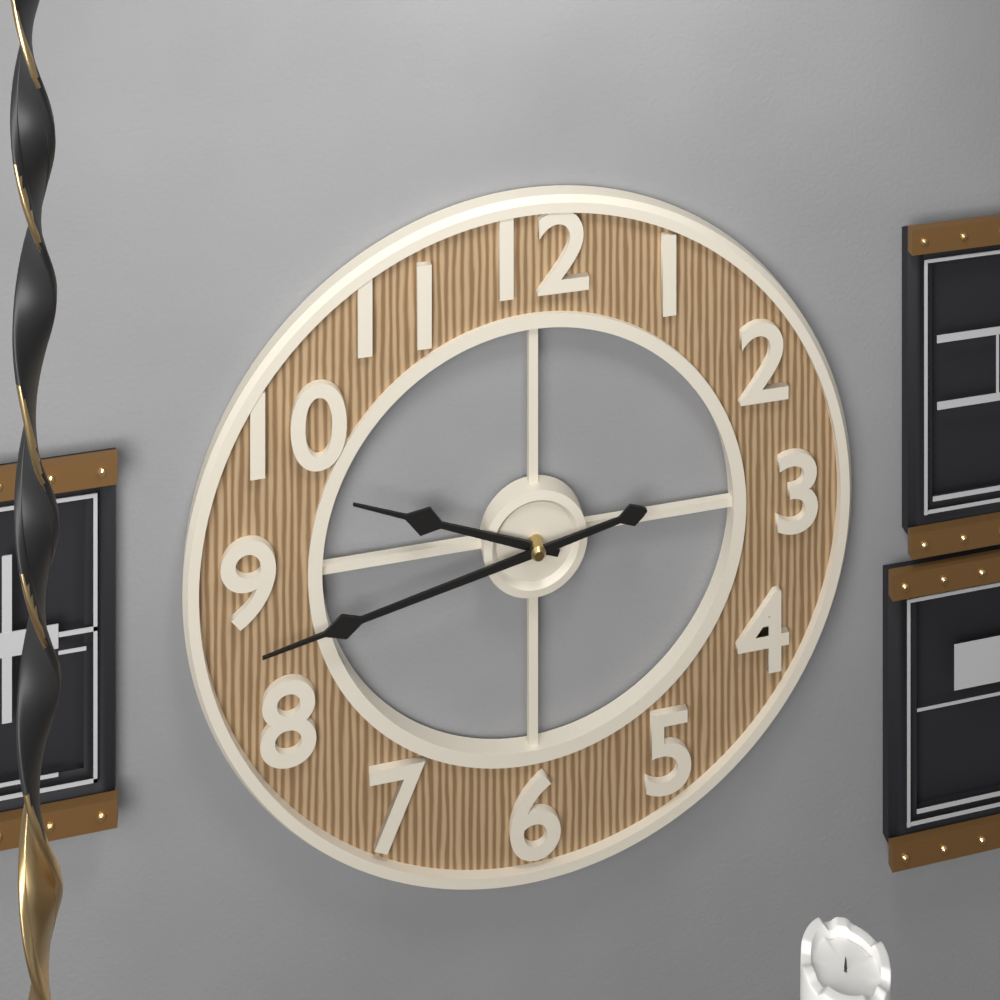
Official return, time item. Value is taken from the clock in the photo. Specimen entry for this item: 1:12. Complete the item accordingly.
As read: 9:43
